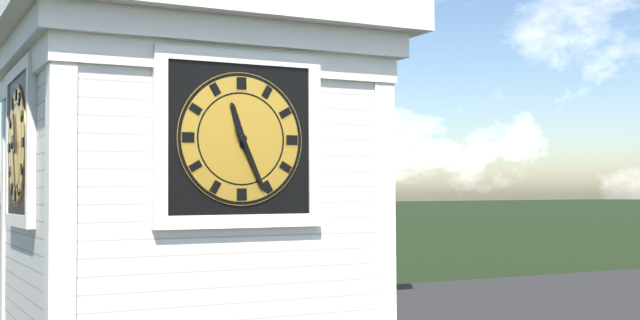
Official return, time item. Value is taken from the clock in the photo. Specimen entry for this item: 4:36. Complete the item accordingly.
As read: 11:26
